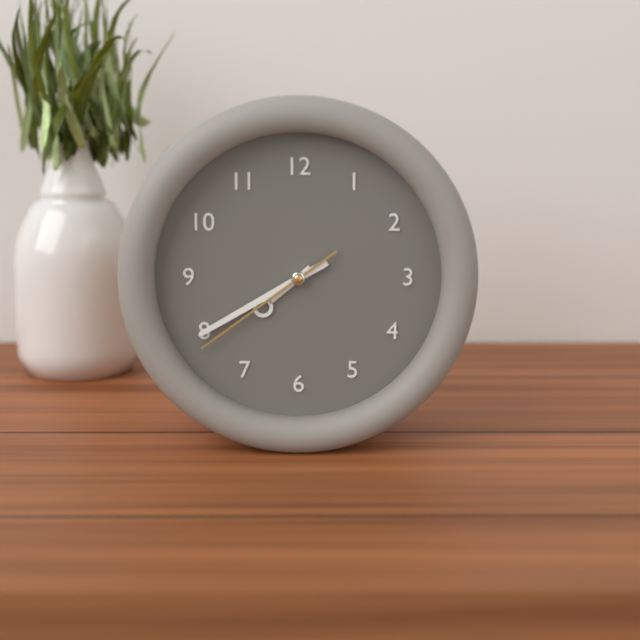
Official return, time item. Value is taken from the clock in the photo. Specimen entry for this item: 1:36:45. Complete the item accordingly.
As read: 7:40:39
